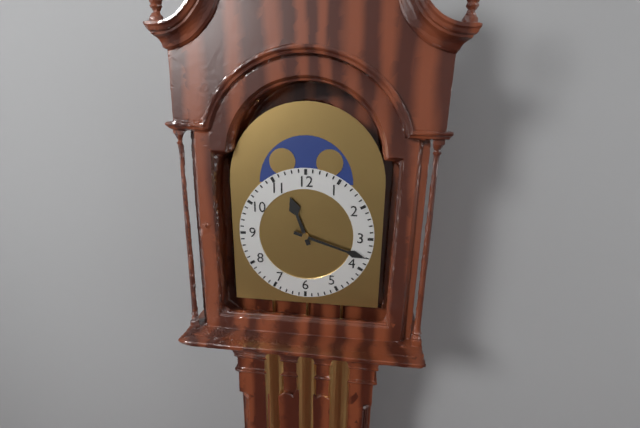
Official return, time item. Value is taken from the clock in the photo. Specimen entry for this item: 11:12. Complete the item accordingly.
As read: 11:18
